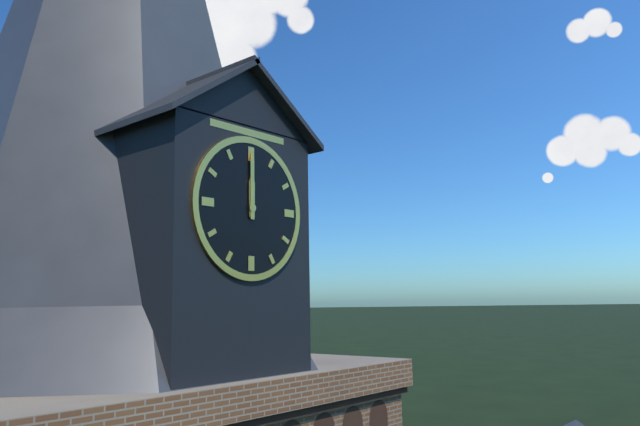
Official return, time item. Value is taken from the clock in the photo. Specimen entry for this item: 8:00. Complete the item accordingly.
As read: 12:00
